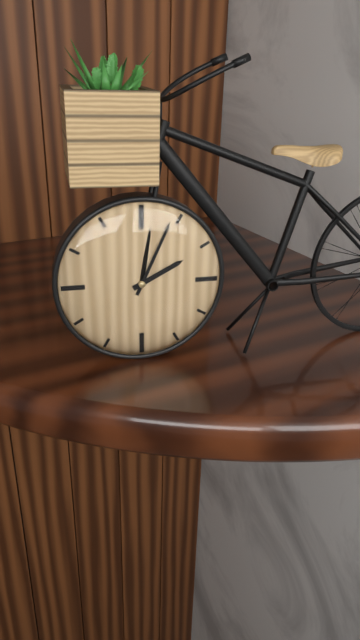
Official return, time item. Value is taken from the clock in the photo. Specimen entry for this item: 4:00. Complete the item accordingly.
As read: 2:04
